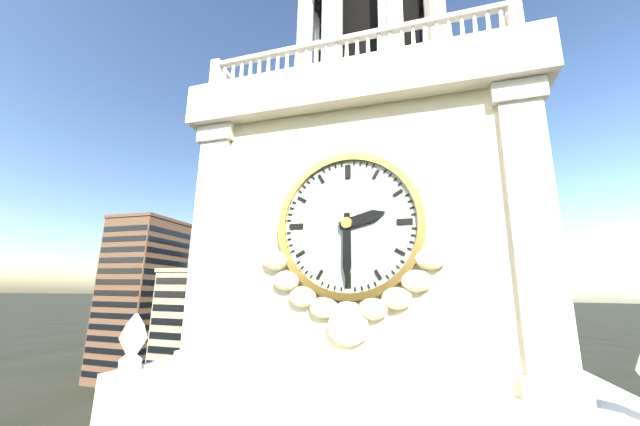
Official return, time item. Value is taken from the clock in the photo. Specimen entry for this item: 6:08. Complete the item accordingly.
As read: 2:30
